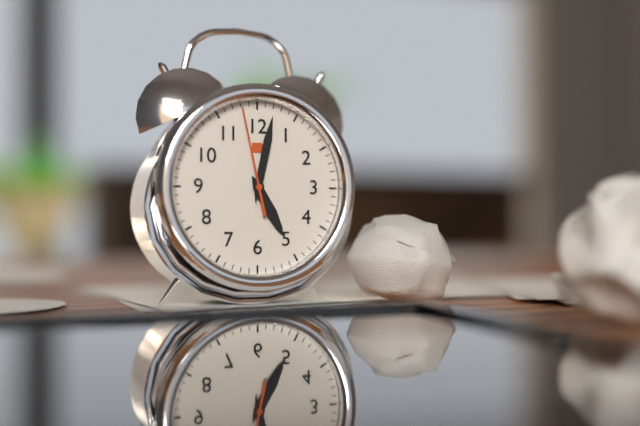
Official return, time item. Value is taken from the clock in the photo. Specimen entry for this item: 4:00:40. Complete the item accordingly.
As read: 5:02:58
